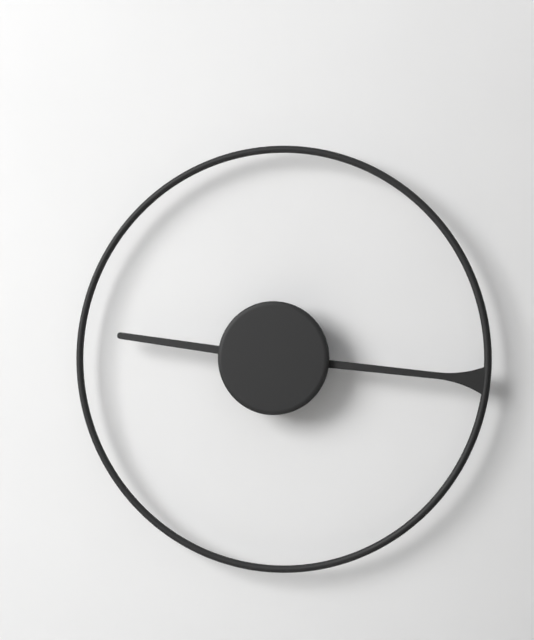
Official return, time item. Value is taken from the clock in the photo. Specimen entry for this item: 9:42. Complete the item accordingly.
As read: 9:16
